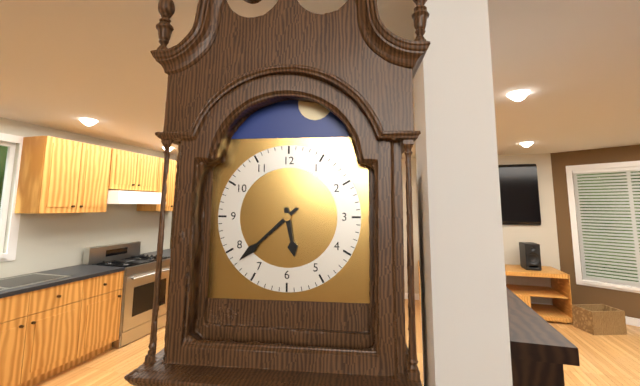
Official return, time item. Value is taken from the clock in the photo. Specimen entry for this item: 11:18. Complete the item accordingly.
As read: 5:38
